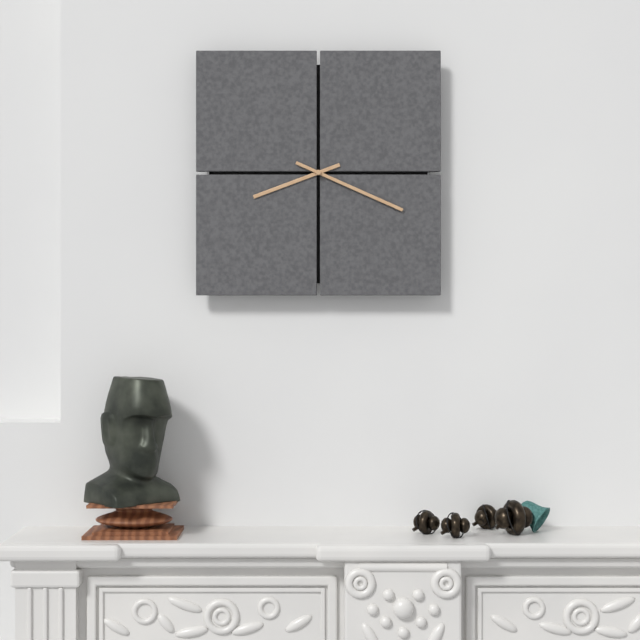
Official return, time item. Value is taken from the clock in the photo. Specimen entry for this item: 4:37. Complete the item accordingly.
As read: 8:19
